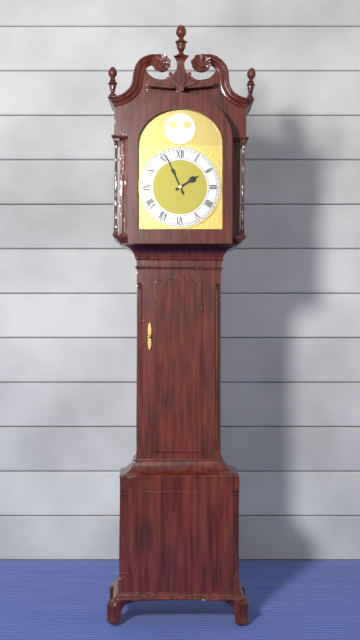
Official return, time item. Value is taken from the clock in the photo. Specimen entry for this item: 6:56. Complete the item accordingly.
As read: 1:56
